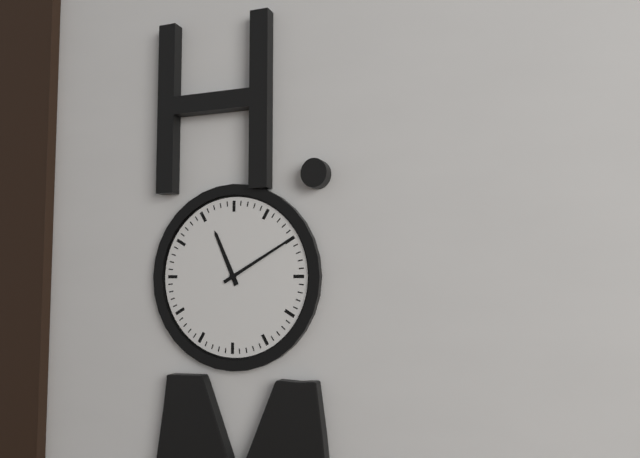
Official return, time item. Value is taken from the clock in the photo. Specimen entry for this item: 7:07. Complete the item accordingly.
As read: 11:10
